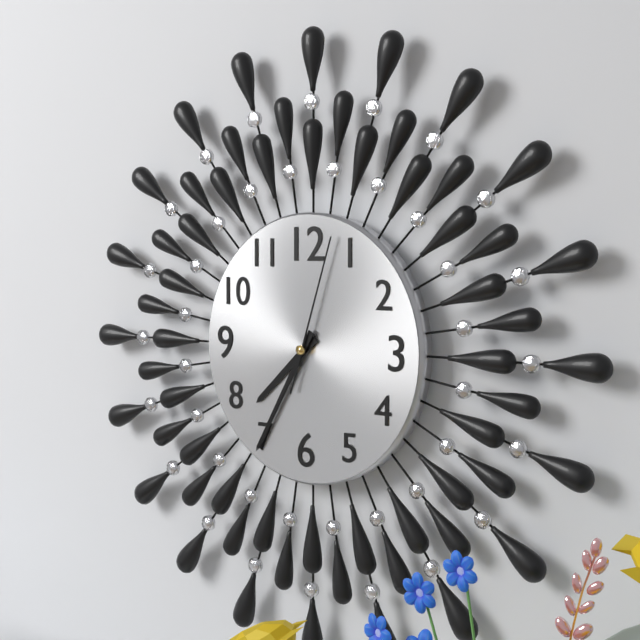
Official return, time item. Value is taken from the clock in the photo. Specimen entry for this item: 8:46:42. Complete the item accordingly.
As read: 7:35:03
